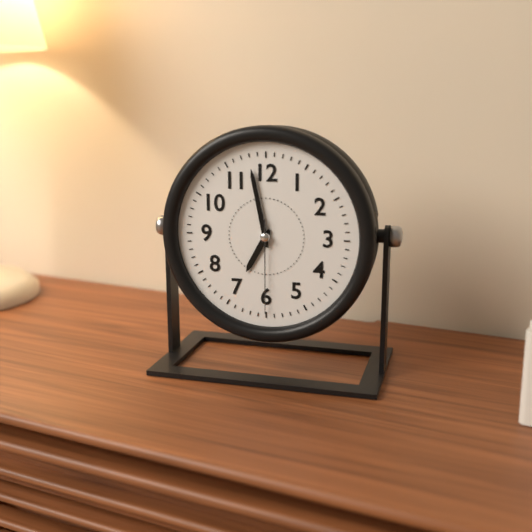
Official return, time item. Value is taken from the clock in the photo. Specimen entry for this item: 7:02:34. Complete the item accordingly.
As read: 6:58:30
